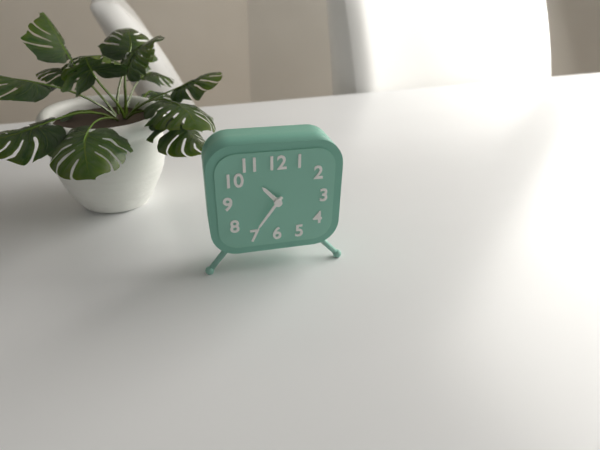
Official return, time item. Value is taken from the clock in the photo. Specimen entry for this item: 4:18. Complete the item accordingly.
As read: 10:36
